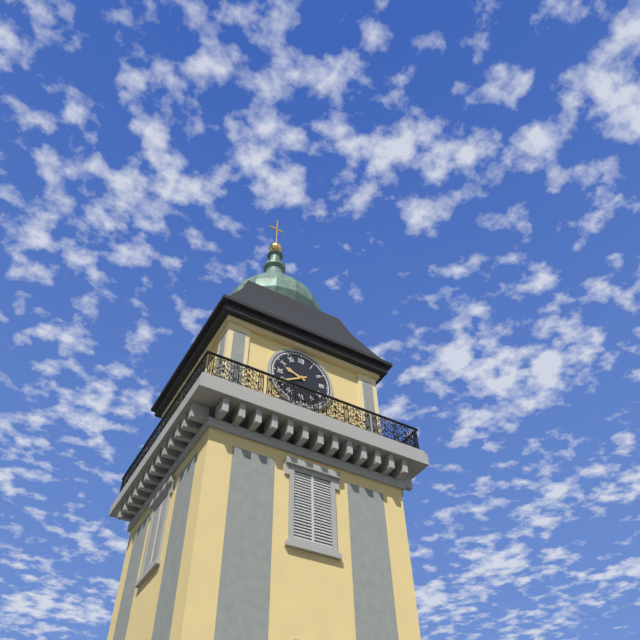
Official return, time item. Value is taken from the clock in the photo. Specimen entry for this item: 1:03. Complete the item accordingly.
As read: 9:40
